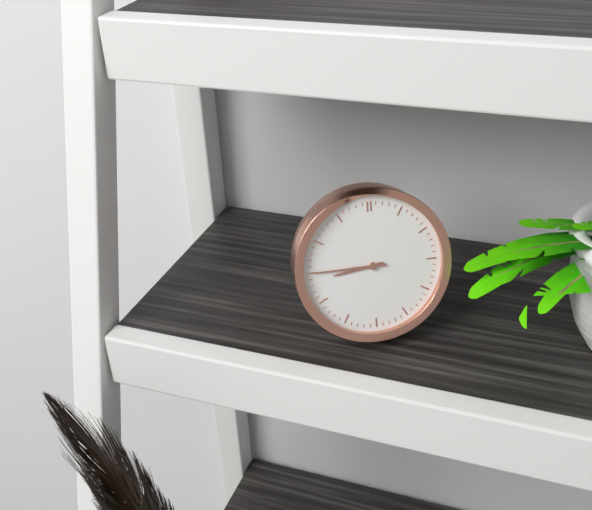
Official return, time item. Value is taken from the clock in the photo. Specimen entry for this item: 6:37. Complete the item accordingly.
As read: 8:45
